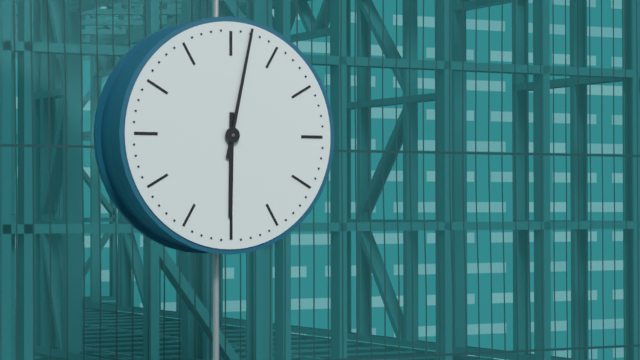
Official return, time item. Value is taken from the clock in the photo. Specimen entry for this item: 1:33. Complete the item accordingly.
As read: 6:02
